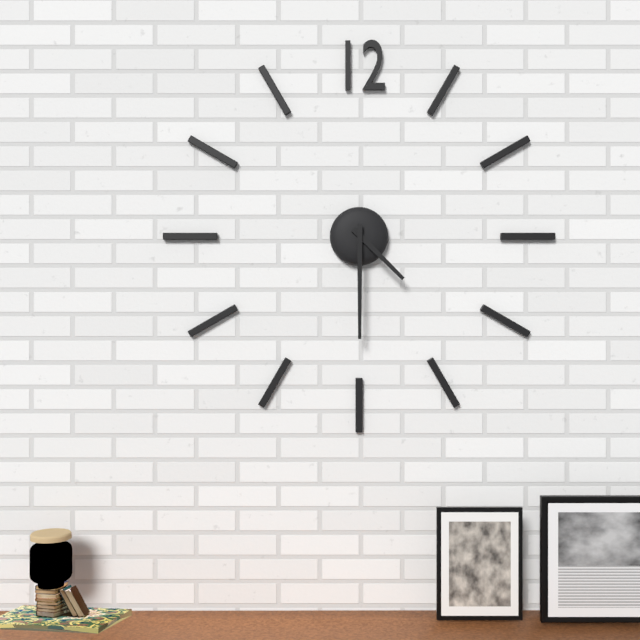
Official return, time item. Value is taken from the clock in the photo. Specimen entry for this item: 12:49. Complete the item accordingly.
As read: 4:30
